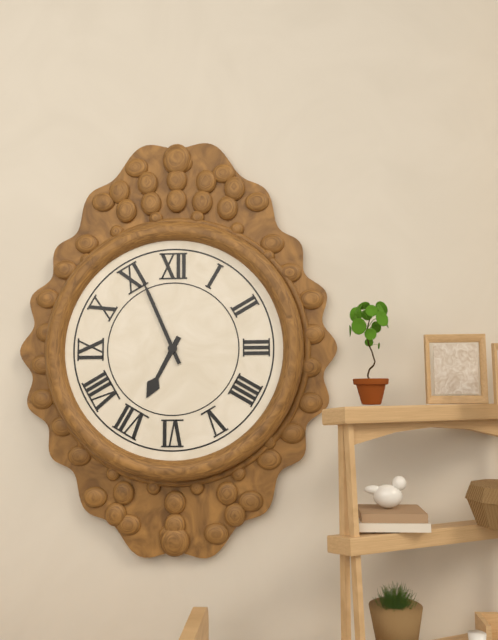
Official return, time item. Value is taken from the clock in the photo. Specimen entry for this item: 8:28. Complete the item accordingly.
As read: 6:56
